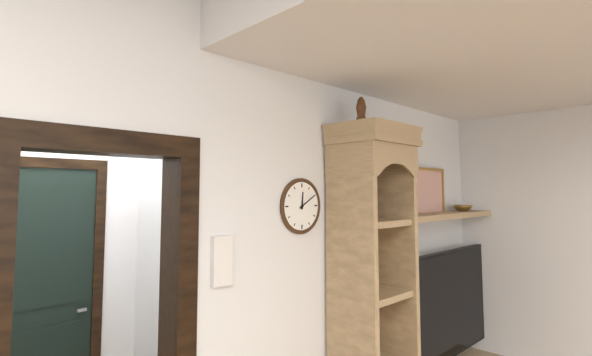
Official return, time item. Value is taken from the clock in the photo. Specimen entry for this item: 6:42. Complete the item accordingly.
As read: 12:10
